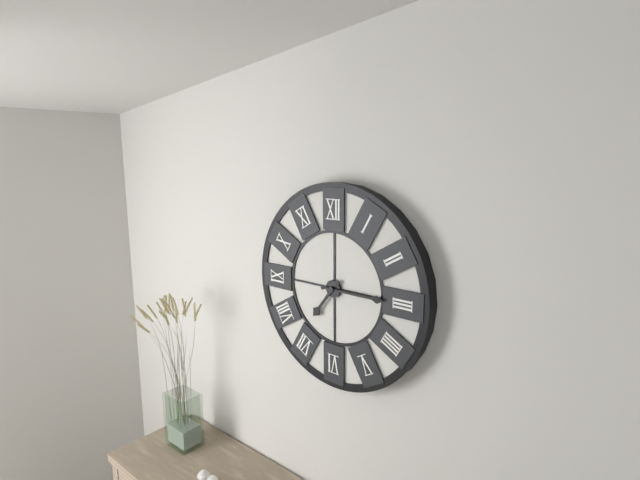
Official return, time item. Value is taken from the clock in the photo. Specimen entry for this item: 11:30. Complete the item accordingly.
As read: 7:15
